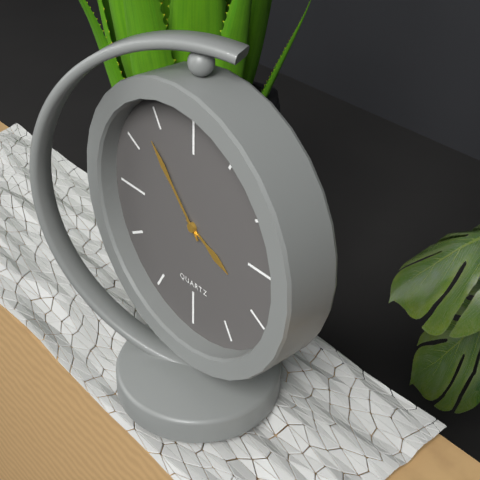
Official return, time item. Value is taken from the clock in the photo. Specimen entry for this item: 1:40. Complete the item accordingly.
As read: 3:53
